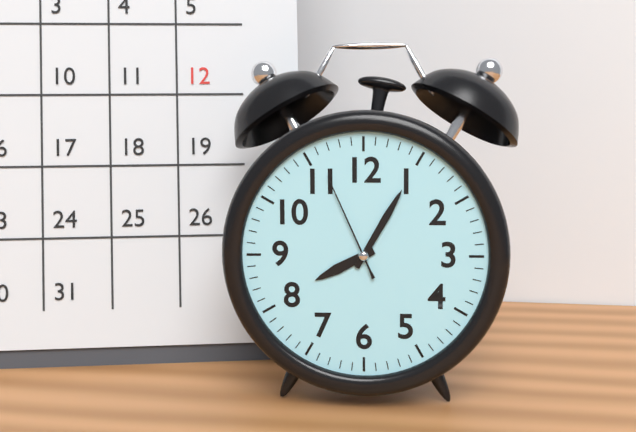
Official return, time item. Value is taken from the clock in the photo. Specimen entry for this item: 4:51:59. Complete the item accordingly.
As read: 8:05:56
